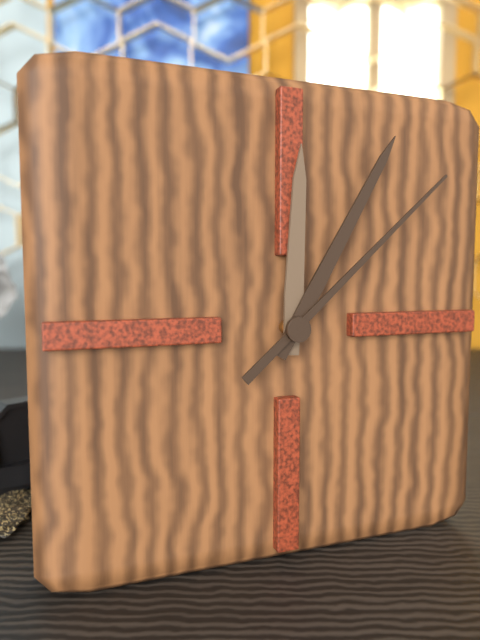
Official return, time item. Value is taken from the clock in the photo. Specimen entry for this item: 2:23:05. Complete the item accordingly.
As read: 12:05:08
